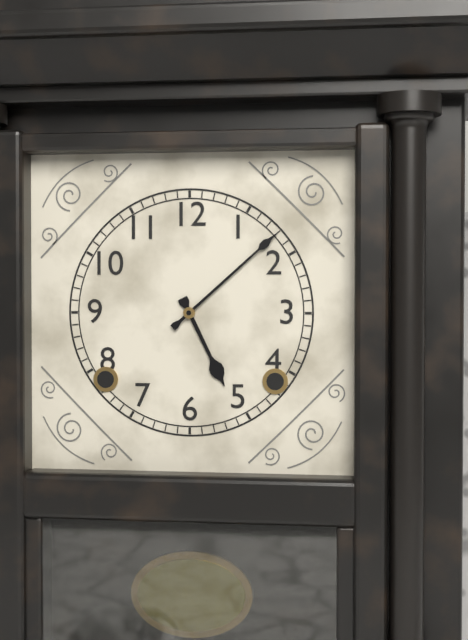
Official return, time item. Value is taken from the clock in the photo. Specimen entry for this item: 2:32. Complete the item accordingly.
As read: 5:08
